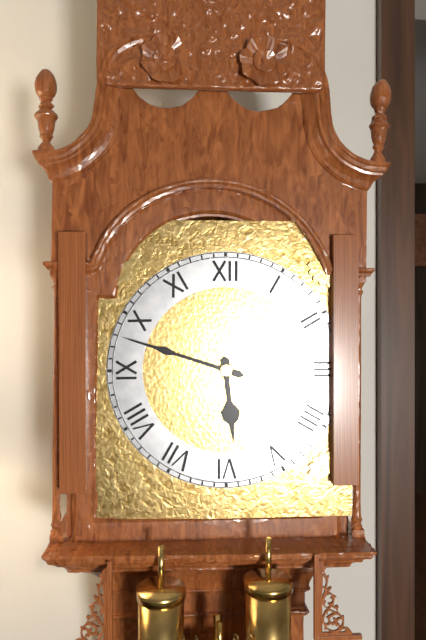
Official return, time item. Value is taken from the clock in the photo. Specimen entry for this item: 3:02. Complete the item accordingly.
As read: 5:48
